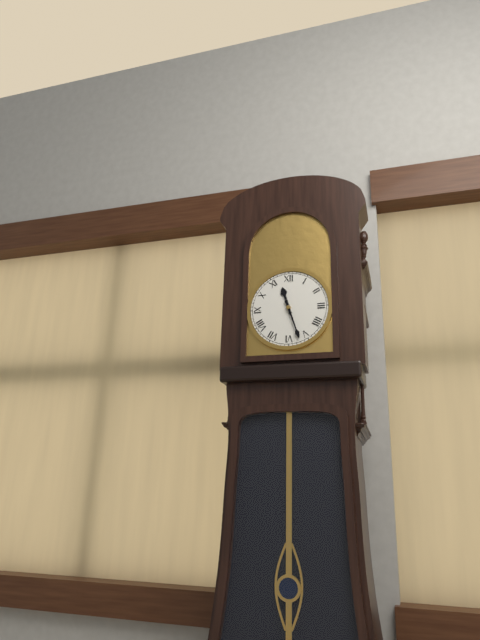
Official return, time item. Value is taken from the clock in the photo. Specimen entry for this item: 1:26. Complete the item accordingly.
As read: 11:27
